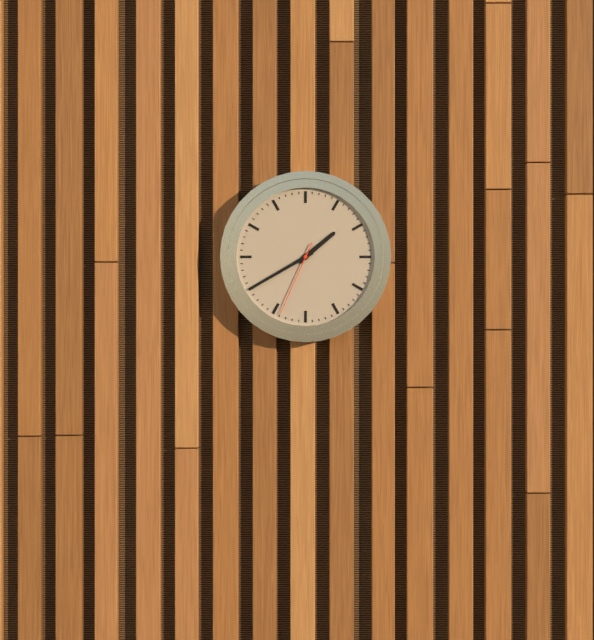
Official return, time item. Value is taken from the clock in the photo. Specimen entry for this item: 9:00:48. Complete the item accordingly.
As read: 1:40:34
